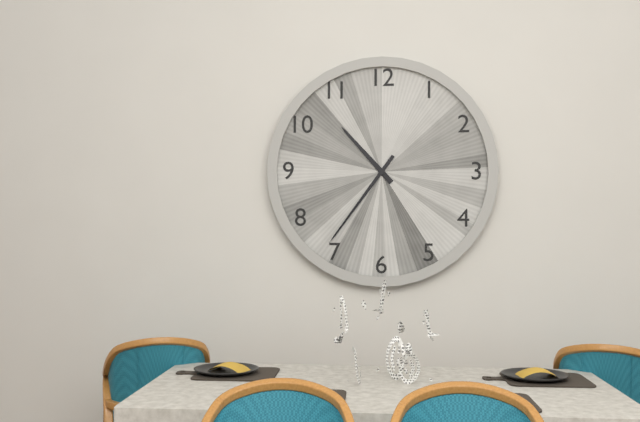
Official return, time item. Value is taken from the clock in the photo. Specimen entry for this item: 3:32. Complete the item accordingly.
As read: 10:36
